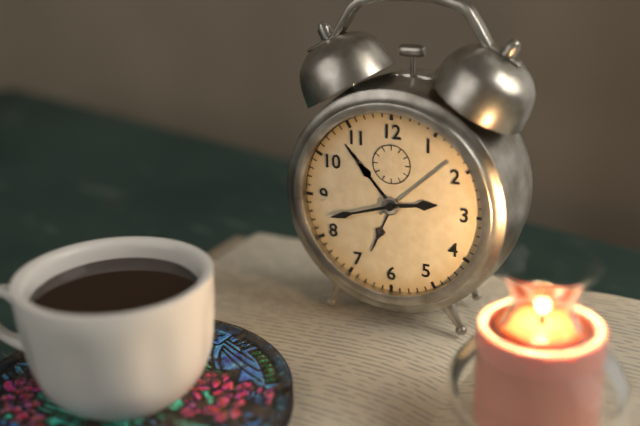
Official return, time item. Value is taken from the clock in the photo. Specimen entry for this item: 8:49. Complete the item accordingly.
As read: 2:42
